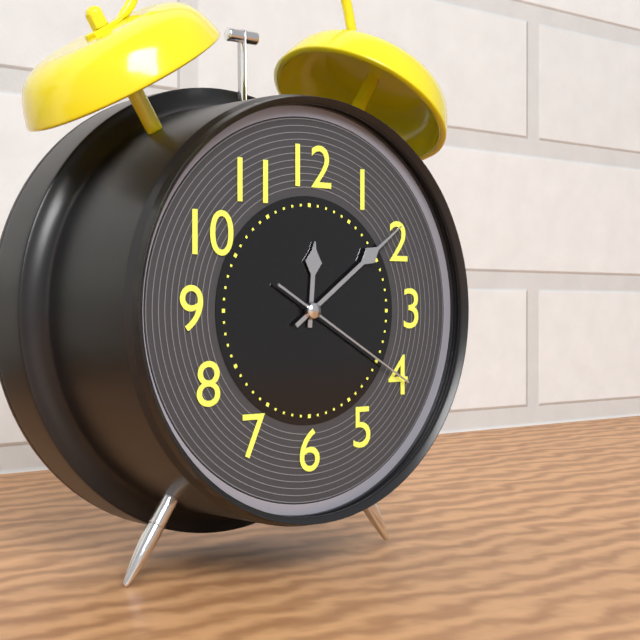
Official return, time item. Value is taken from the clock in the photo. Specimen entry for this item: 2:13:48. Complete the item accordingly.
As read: 12:09:20
